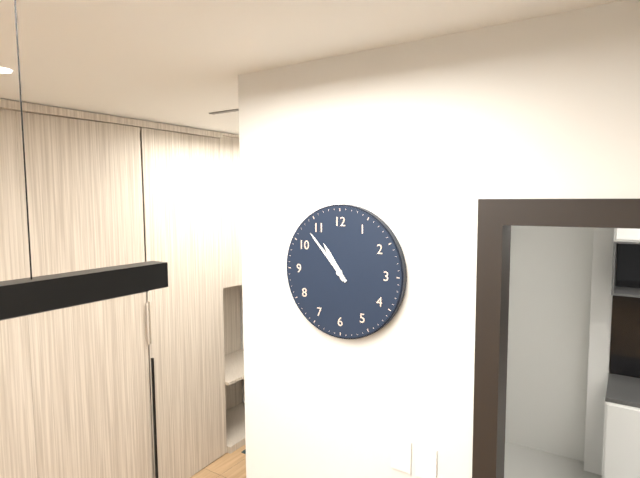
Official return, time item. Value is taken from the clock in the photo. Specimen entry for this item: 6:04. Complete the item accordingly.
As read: 10:53
